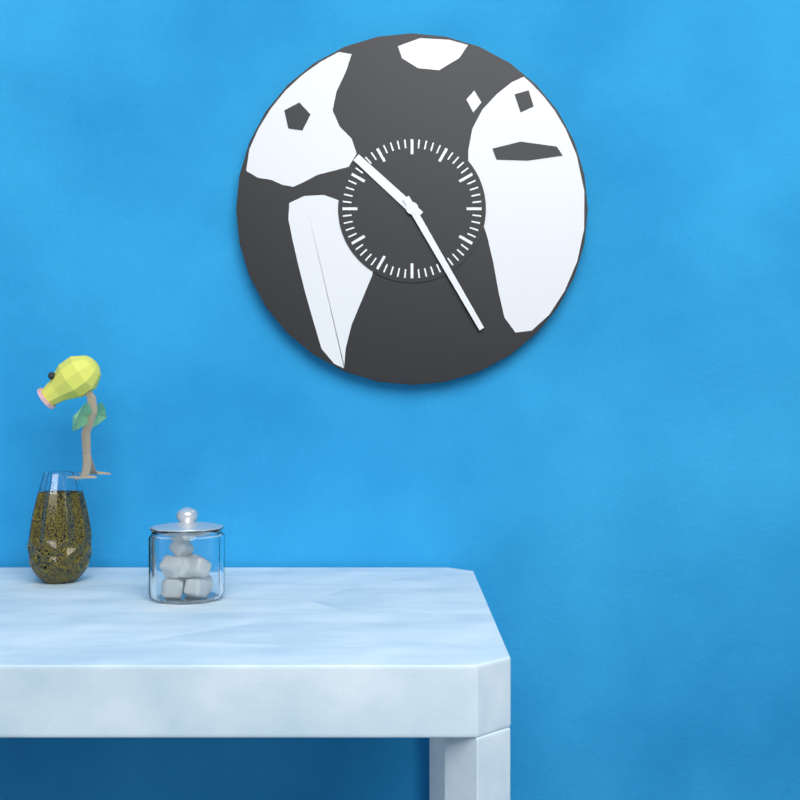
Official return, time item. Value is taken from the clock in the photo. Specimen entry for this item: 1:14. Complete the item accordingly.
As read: 10:25
